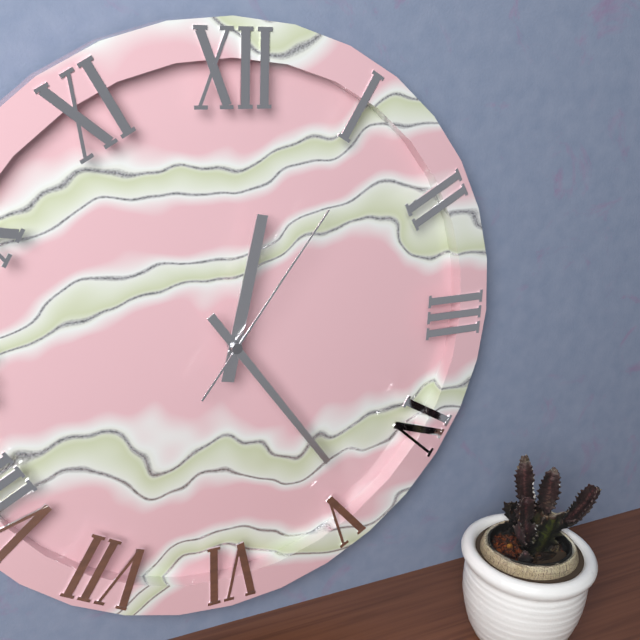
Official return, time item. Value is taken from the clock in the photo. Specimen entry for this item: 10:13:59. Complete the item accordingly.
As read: 12:24:06
